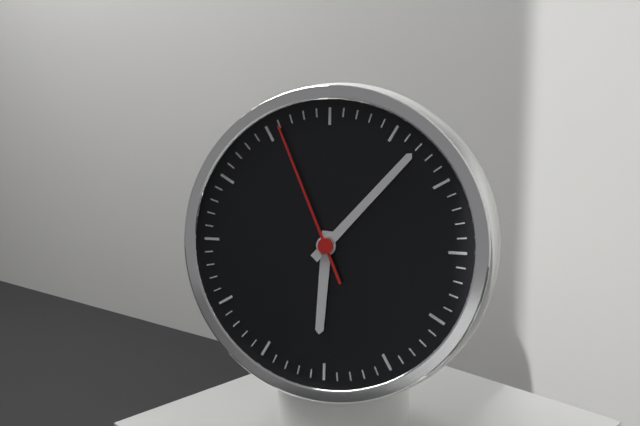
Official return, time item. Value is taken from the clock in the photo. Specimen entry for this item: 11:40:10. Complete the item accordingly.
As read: 6:07:56
